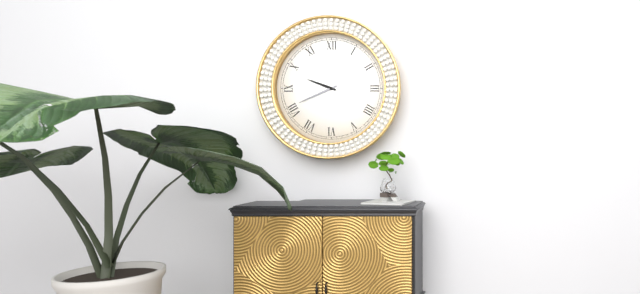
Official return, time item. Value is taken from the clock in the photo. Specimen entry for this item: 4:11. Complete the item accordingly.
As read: 9:41
